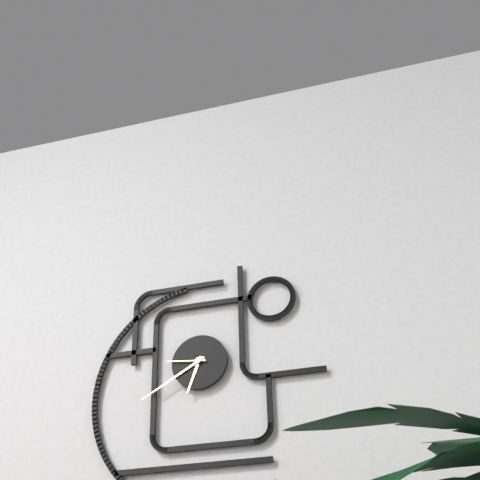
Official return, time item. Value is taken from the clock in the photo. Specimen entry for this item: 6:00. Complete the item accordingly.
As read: 6:40
